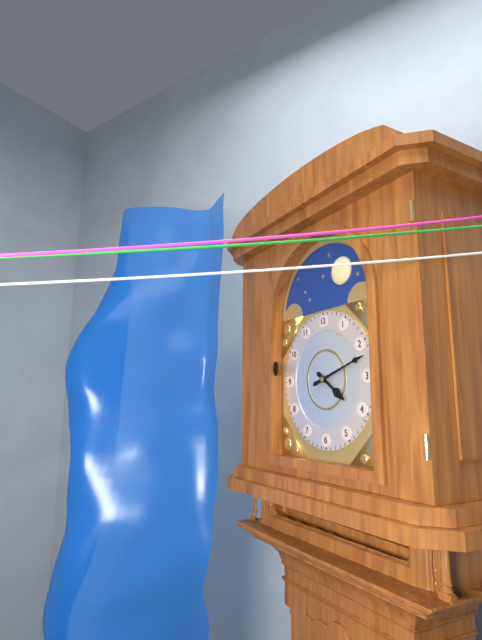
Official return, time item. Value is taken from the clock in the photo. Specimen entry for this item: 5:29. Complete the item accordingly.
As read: 4:12
